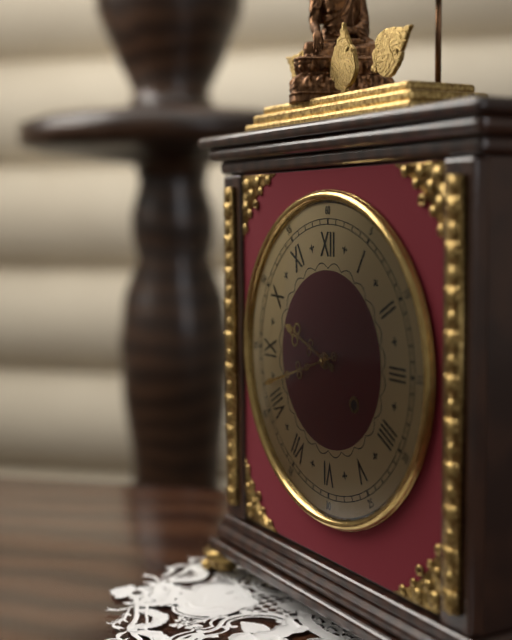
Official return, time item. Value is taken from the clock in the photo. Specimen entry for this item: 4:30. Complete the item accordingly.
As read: 9:42
